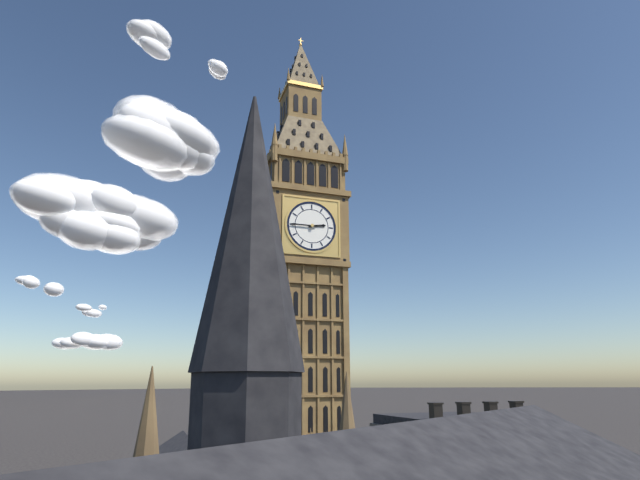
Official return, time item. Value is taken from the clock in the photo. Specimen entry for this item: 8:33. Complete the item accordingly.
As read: 2:45
